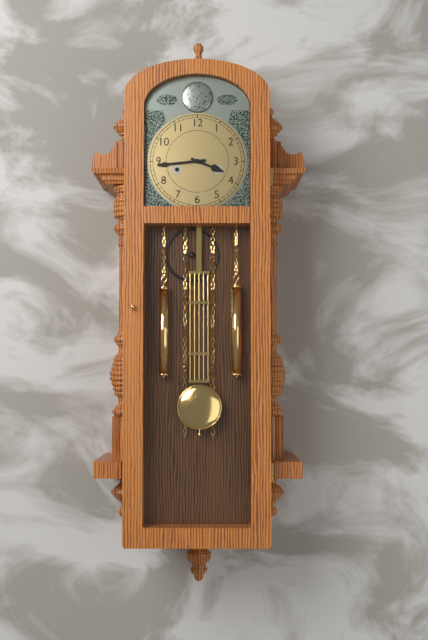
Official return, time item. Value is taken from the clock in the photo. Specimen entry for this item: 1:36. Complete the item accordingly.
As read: 3:44
